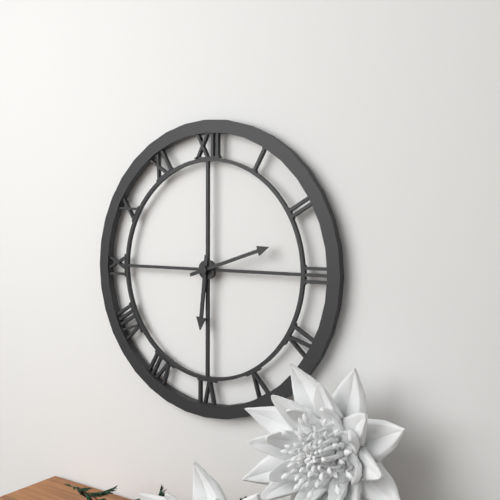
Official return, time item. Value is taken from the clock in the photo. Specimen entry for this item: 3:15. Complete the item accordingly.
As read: 6:12
